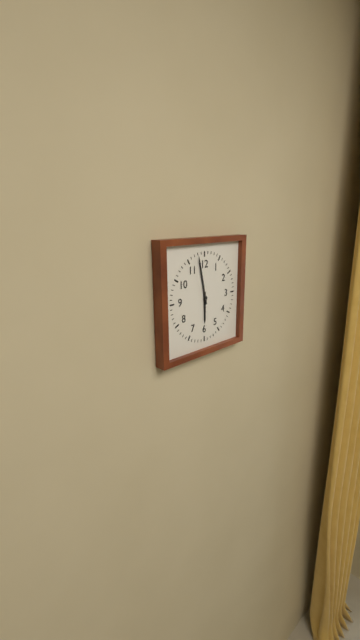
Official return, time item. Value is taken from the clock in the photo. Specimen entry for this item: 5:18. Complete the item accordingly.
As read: 5:58
